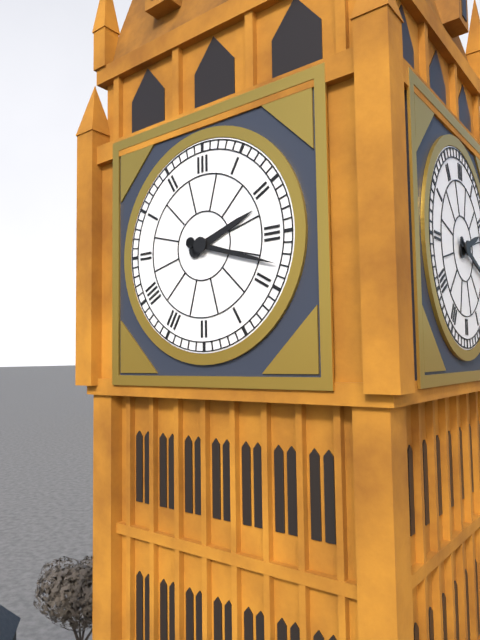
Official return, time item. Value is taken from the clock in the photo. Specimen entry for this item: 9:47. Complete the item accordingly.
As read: 2:18
